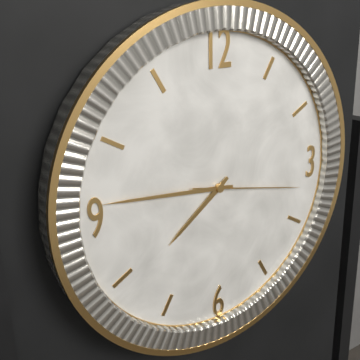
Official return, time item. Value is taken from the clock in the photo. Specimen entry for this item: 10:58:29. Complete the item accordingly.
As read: 7:46:17
